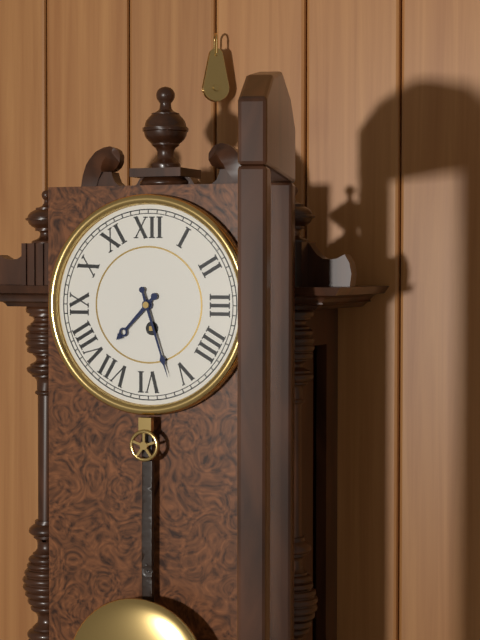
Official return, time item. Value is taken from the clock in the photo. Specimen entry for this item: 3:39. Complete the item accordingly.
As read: 7:27
